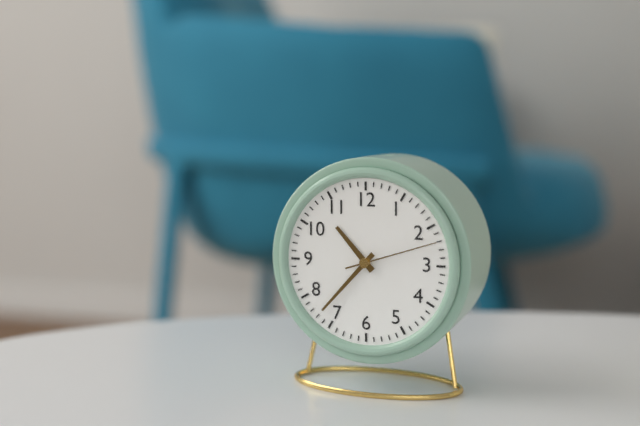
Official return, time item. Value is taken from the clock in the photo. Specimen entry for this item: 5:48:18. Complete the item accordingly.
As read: 10:37:12
